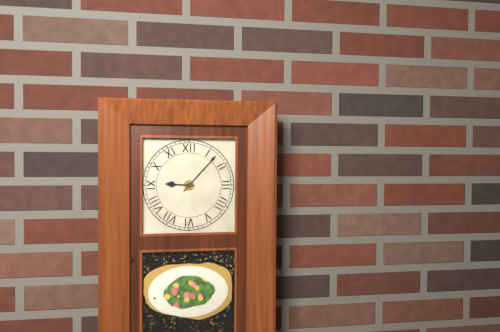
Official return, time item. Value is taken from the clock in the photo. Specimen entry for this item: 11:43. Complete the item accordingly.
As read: 9:07
